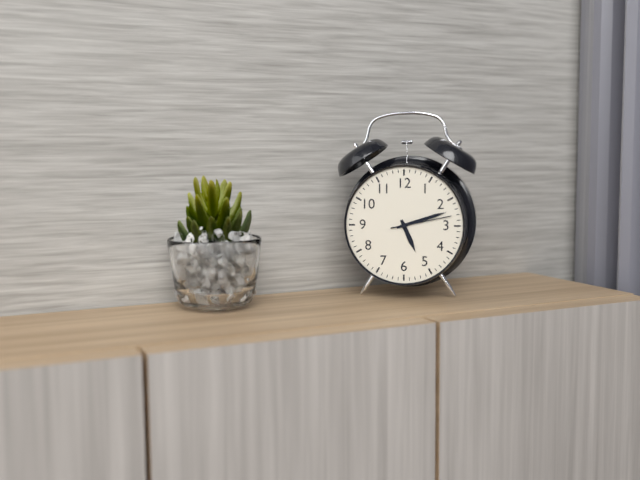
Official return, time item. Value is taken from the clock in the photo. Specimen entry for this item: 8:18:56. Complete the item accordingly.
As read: 5:12:13
